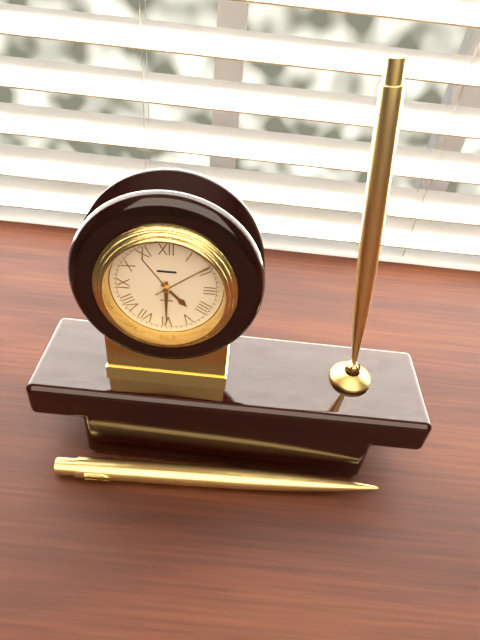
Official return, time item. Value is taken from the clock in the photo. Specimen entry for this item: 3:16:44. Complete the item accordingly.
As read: 4:30:09
